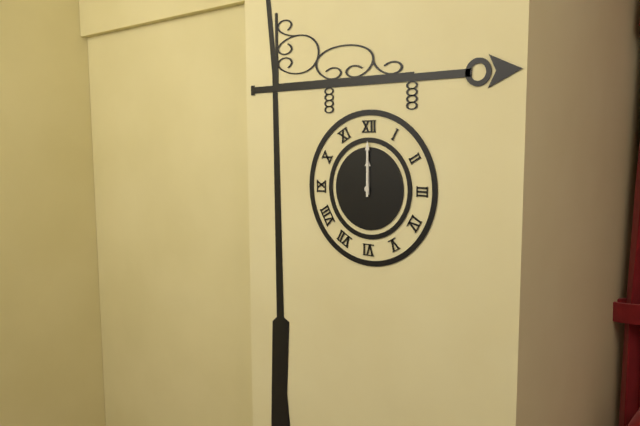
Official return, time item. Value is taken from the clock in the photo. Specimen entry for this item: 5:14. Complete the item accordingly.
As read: 12:00
